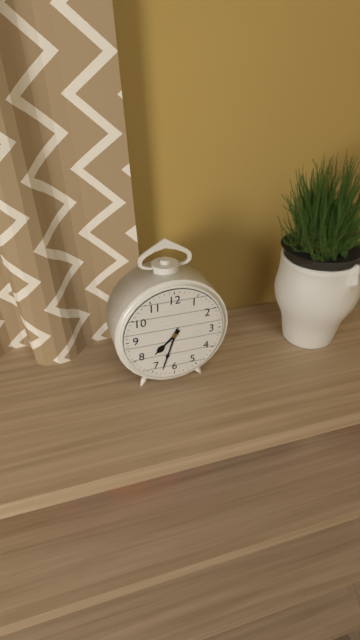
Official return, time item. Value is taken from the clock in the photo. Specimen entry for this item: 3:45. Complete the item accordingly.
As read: 7:33
